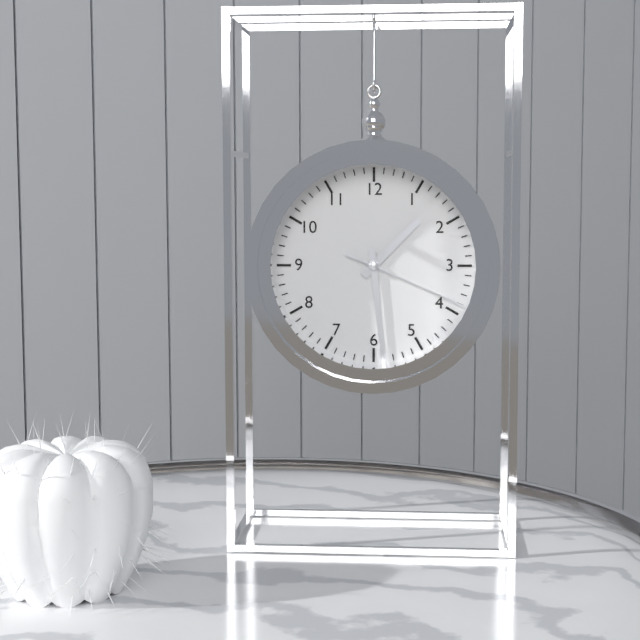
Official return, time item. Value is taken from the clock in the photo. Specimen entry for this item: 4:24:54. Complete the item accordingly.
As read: 1:29:19
